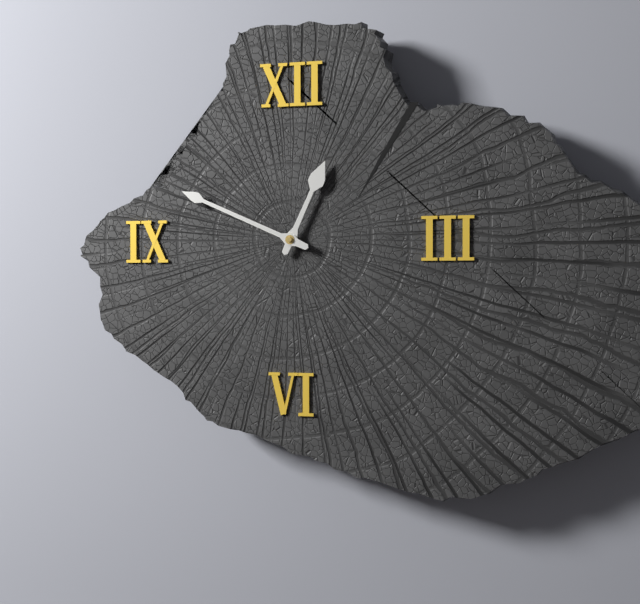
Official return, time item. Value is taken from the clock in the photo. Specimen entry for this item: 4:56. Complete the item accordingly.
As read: 12:49
